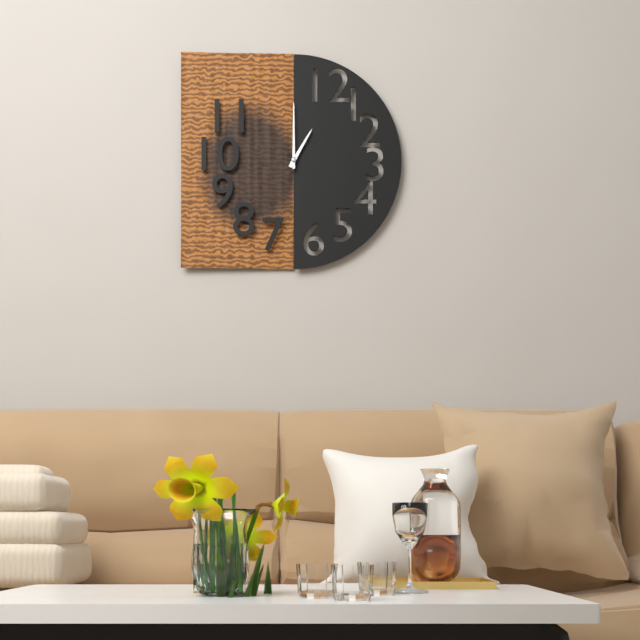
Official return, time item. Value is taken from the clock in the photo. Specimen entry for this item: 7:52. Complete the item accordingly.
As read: 1:00
